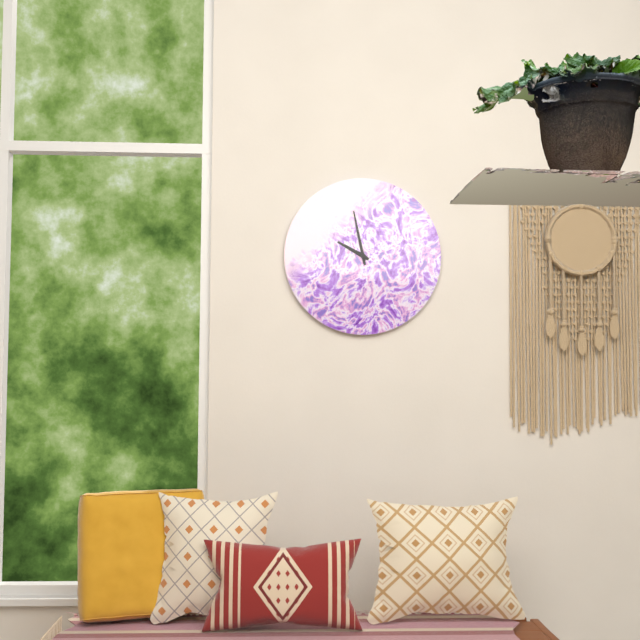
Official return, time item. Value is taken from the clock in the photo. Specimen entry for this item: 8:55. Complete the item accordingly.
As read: 9:58
